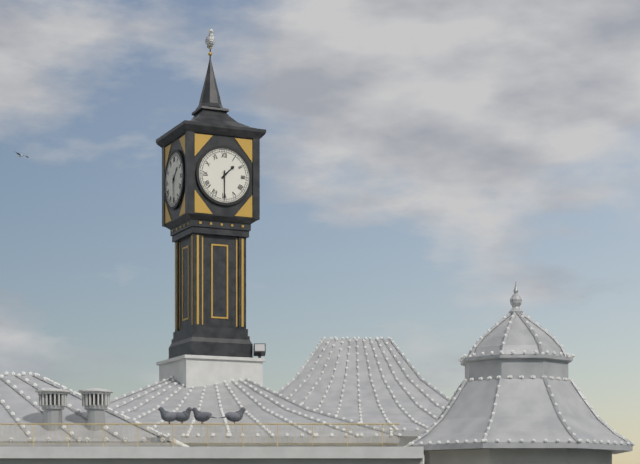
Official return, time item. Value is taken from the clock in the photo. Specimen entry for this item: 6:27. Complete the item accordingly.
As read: 1:30
